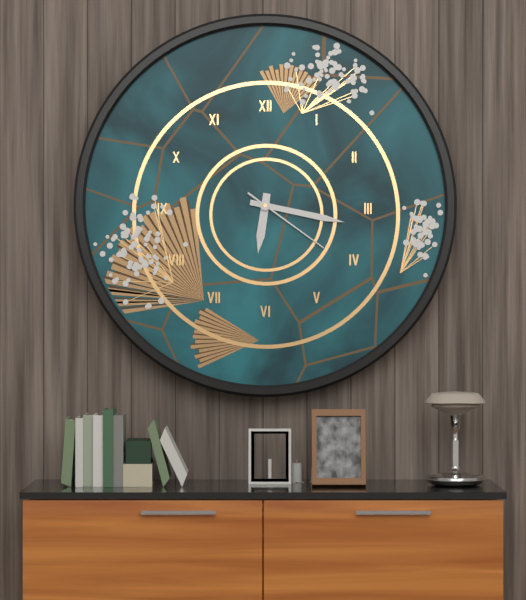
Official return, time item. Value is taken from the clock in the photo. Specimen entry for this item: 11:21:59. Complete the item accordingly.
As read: 6:17:21
